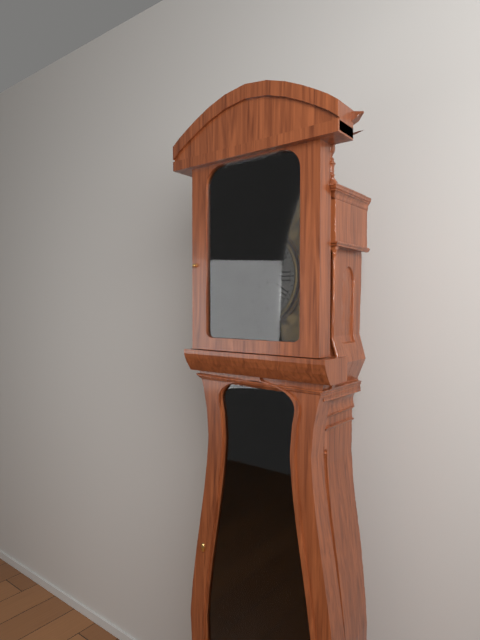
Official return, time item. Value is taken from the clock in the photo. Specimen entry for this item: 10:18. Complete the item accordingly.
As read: 1:05
